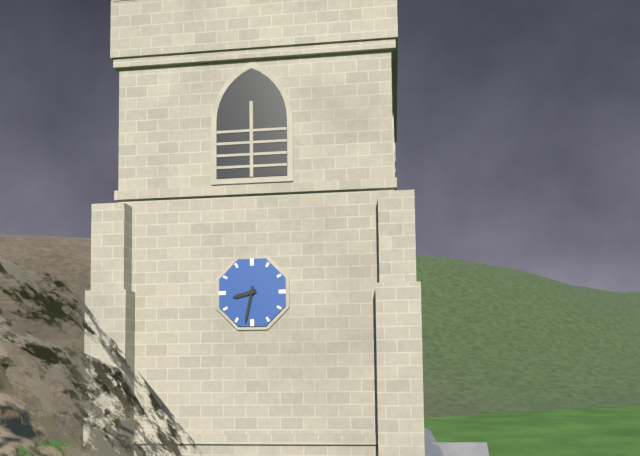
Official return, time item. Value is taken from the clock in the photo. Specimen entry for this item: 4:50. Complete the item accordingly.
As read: 8:32
